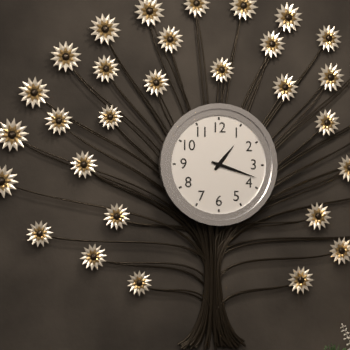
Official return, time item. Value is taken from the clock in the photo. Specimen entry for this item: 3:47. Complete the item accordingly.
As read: 1:18
